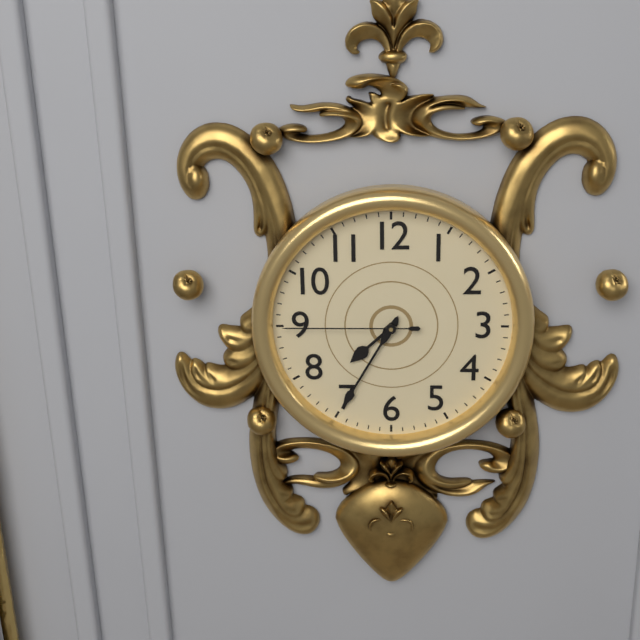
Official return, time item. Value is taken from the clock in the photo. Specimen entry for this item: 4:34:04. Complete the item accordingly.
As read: 7:35:45
